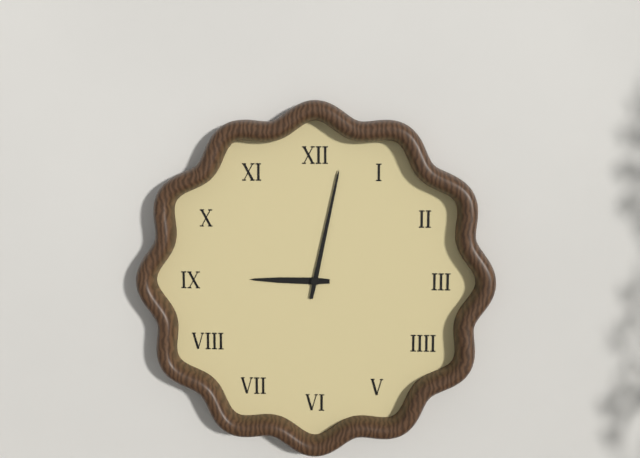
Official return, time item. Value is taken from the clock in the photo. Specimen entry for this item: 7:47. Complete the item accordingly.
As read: 9:02
